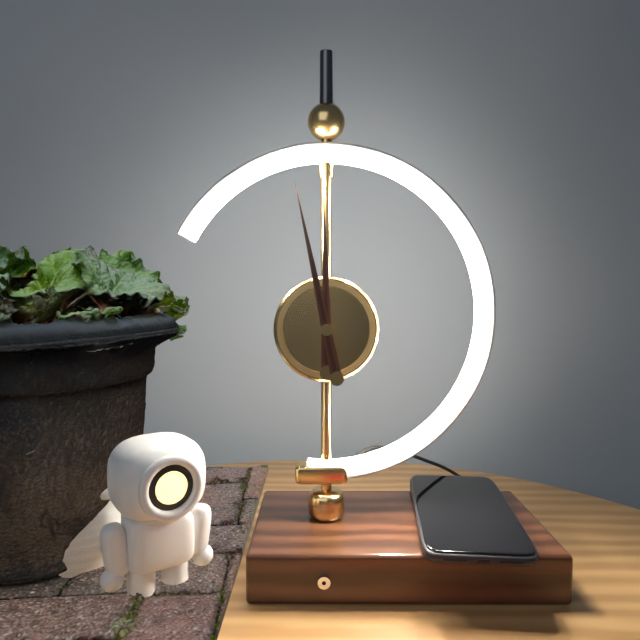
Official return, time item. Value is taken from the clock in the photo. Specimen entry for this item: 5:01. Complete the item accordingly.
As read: 11:58
